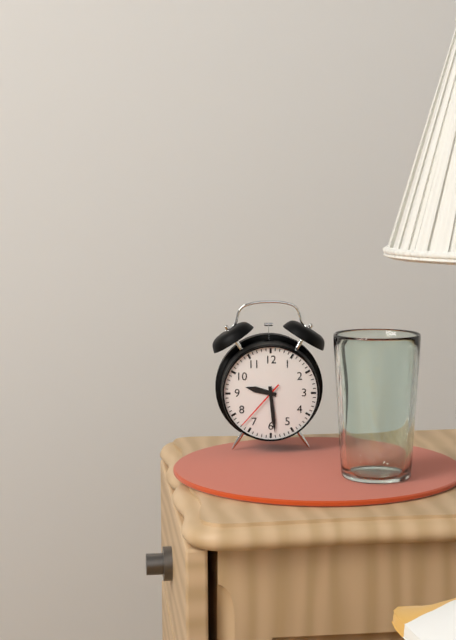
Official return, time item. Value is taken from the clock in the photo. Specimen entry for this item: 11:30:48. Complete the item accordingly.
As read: 9:29:37
